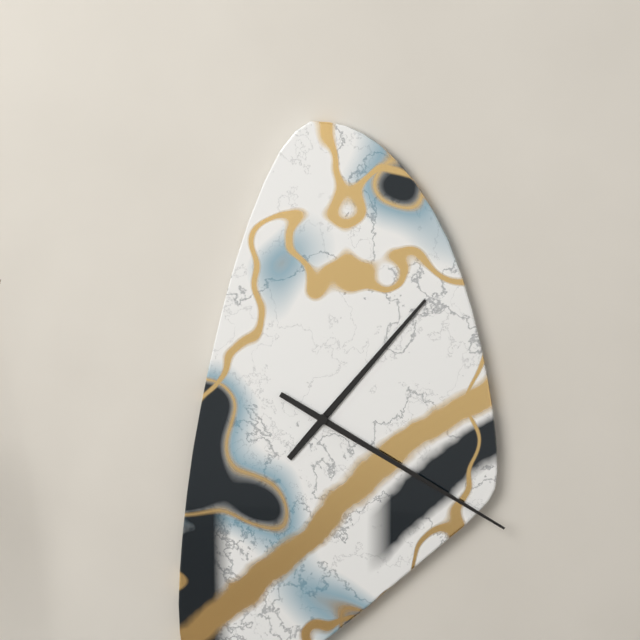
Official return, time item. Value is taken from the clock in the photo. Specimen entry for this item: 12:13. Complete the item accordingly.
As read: 1:20
